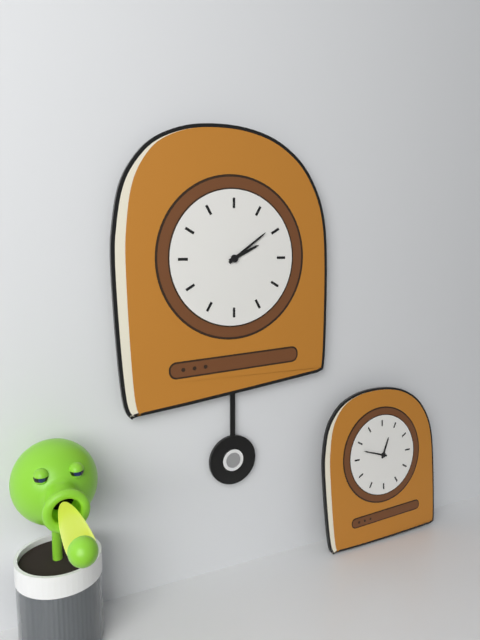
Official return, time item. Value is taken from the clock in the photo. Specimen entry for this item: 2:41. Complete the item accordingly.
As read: 2:09
